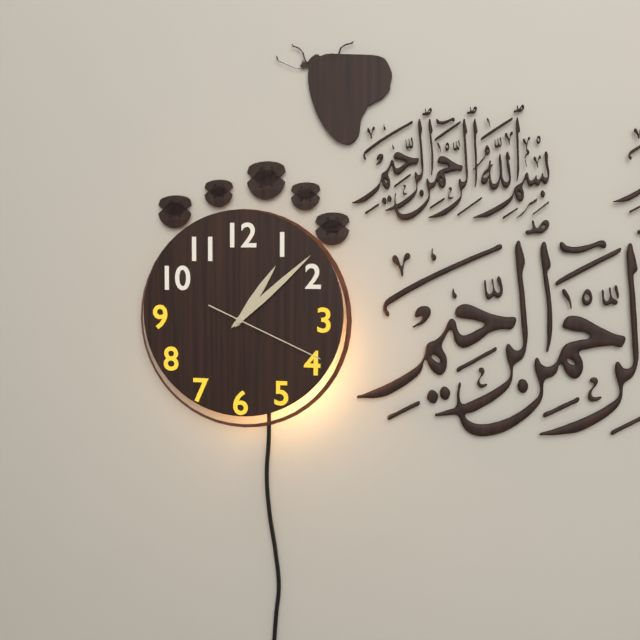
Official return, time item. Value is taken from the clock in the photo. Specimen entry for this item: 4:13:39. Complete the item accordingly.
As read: 1:08:19
